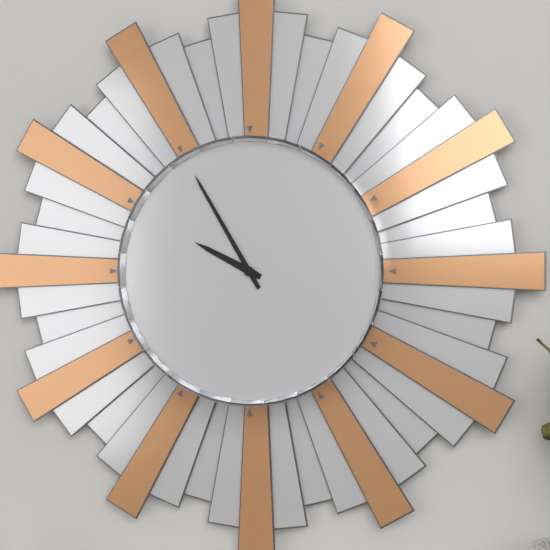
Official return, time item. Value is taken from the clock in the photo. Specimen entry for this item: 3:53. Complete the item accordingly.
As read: 9:55
